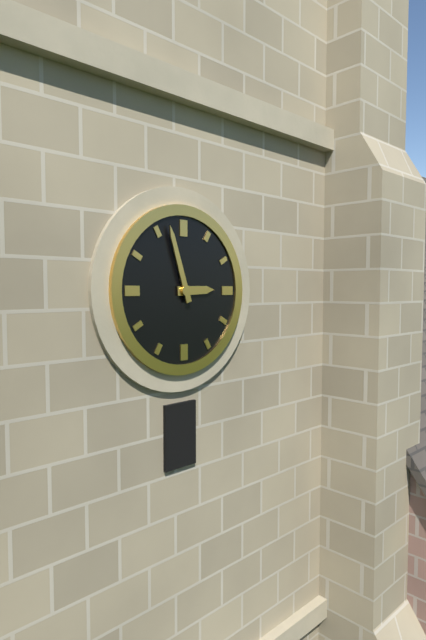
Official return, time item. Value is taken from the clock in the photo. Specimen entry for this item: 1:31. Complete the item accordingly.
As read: 2:57
